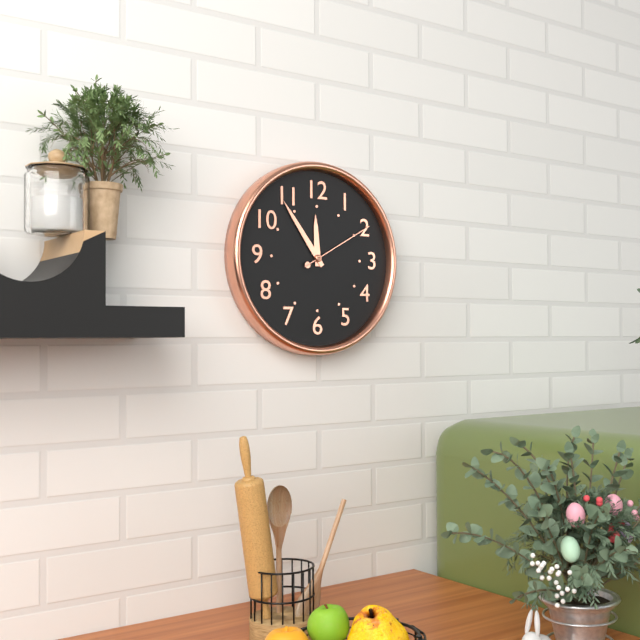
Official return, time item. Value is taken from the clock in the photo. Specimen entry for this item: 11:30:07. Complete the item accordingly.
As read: 11:54:10
